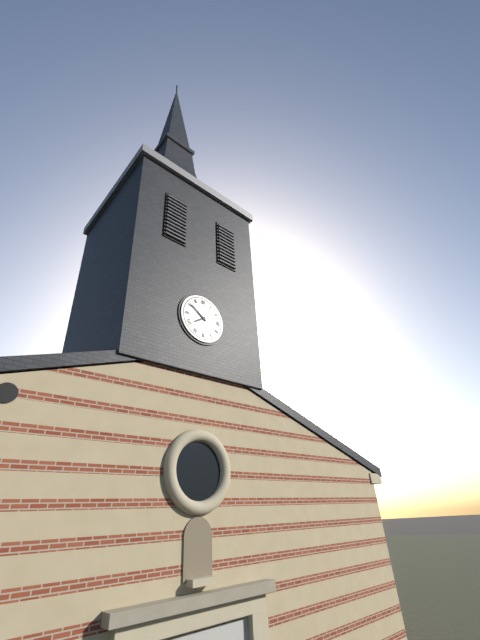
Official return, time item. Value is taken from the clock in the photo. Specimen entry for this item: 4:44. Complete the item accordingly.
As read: 7:51
